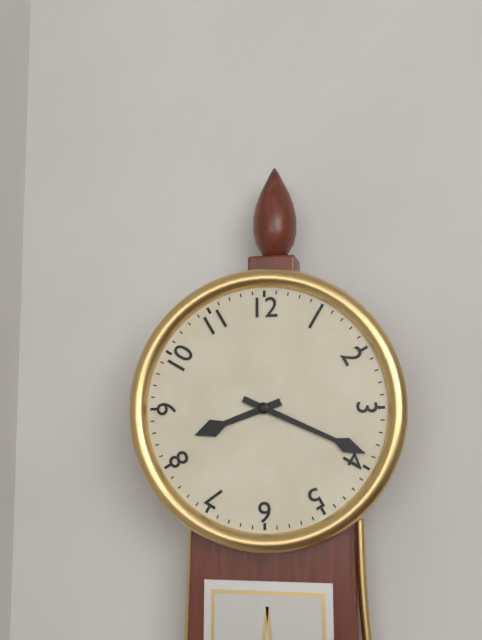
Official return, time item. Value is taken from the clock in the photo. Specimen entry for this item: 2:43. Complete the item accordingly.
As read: 8:19
